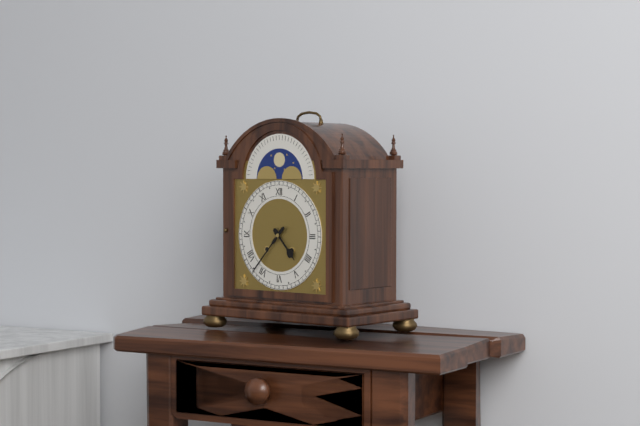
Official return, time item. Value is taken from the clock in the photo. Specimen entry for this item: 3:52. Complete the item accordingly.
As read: 4:37
